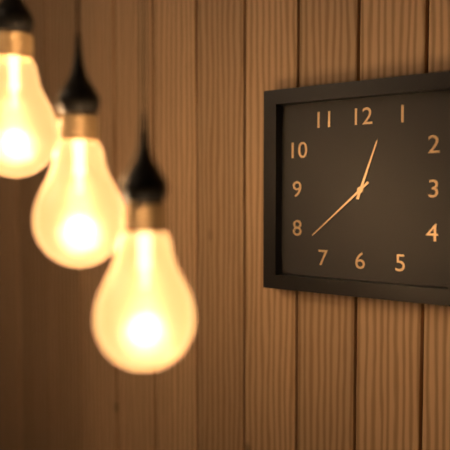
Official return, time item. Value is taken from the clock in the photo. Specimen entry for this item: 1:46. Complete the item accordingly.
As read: 12:38
